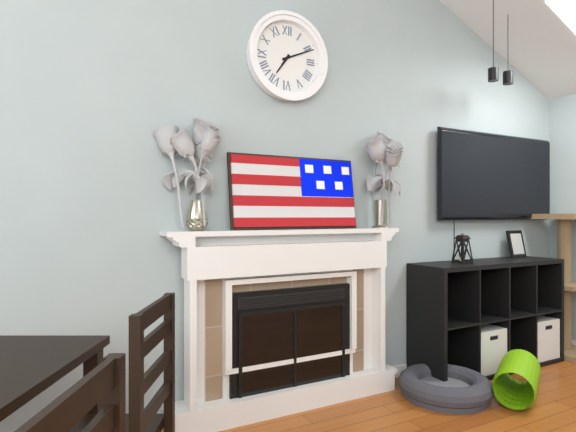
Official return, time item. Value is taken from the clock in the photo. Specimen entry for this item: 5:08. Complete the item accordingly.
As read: 7:11
